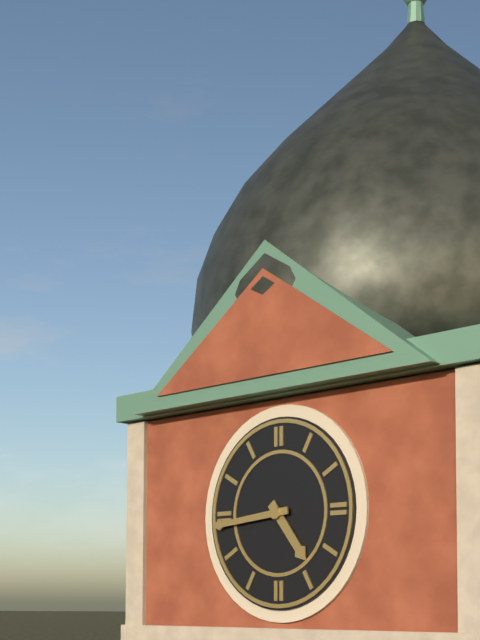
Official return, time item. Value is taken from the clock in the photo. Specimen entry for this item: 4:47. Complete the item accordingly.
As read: 4:44
